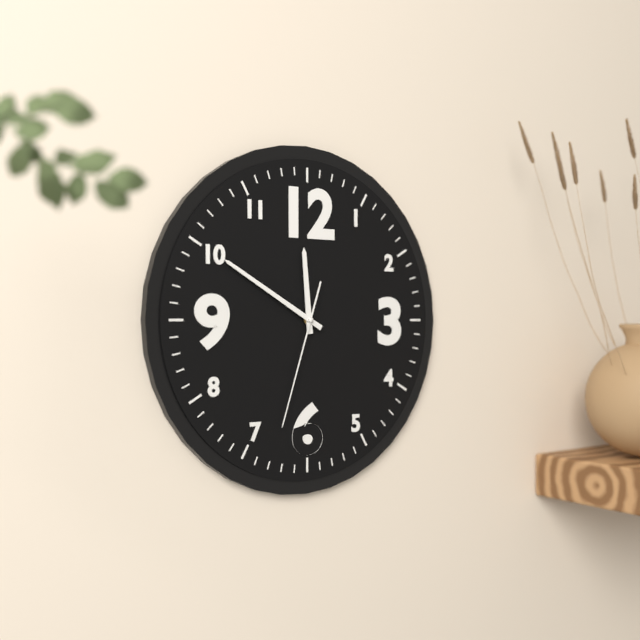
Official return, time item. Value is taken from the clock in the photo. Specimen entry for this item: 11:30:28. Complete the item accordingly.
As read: 11:50:33
